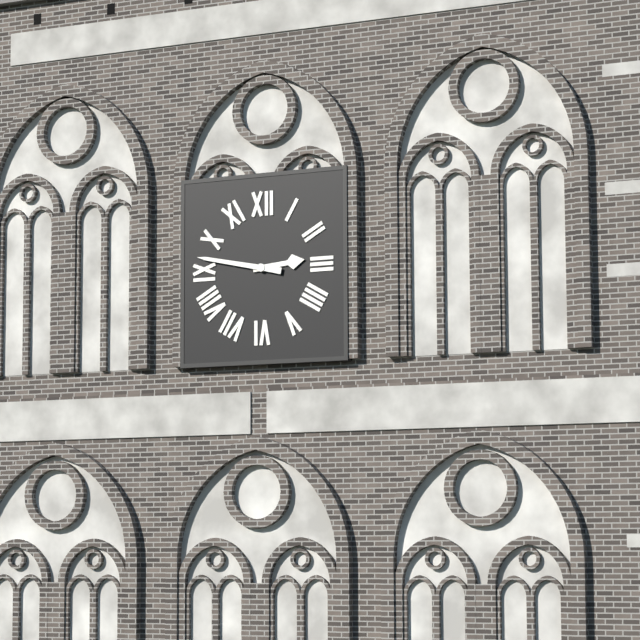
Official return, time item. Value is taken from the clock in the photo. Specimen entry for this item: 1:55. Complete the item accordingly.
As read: 2:47
